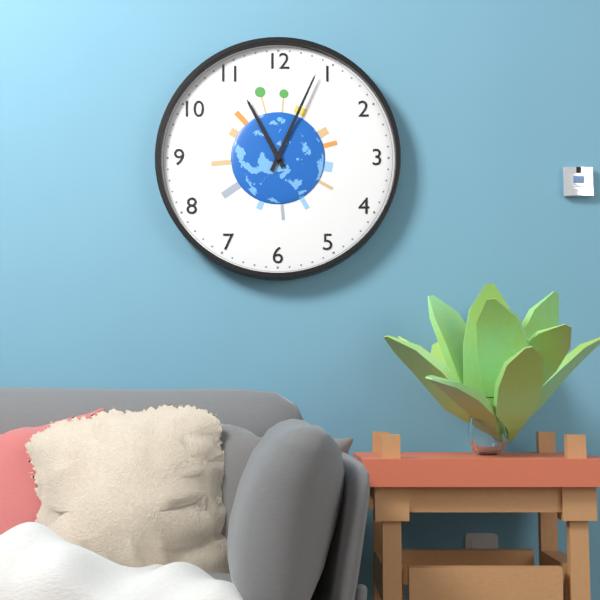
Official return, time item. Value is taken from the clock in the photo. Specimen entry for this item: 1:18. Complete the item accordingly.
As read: 11:04
